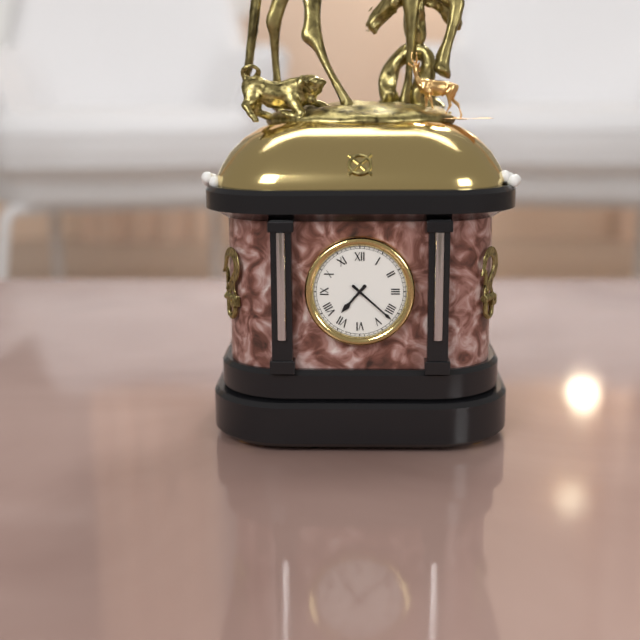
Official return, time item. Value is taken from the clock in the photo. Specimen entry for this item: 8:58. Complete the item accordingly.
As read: 7:22
